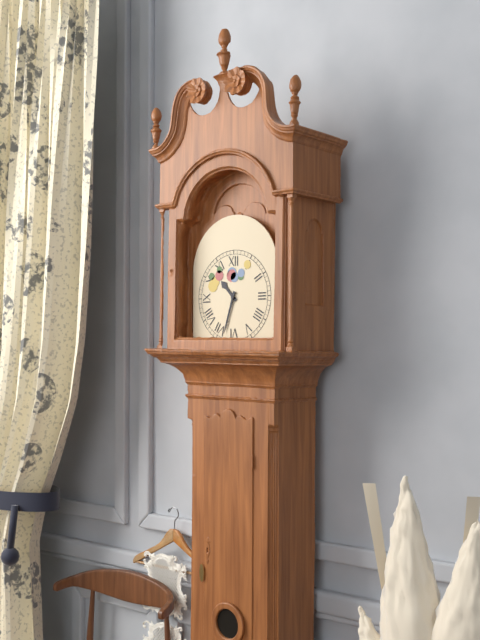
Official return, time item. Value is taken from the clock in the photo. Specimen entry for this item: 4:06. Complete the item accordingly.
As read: 10:33
